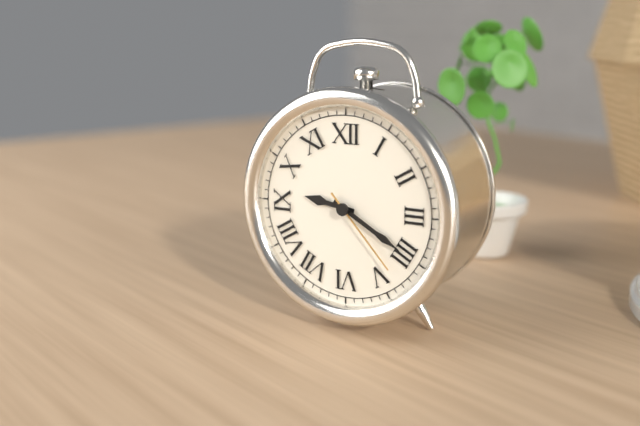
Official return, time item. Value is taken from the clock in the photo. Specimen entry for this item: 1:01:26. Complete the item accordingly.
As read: 9:20:23
